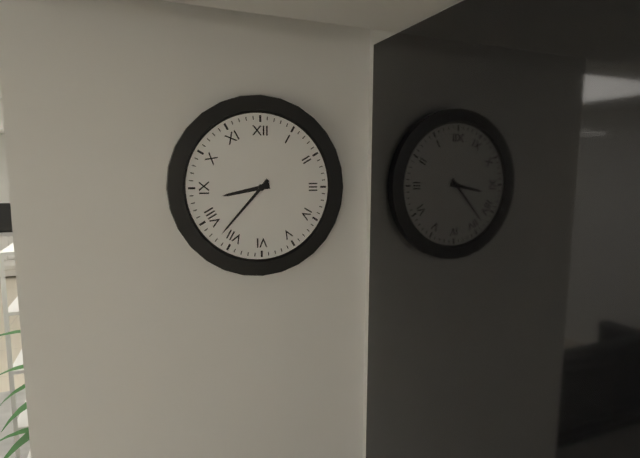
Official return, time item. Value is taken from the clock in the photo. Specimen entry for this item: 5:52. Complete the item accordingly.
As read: 8:37
